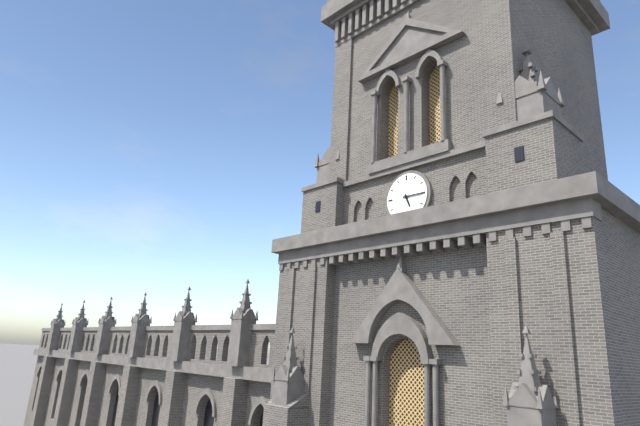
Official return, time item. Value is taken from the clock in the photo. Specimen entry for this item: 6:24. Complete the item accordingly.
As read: 5:15
